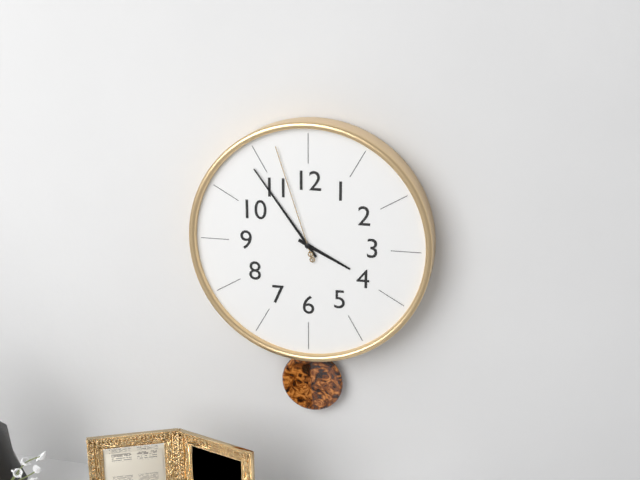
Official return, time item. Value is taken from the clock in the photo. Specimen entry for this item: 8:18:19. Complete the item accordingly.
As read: 3:54:57
